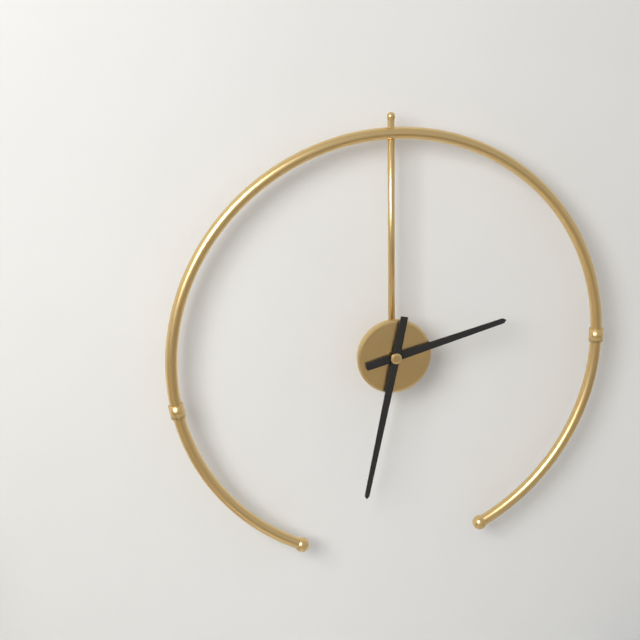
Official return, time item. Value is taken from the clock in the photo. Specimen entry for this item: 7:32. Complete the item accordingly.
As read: 2:32
